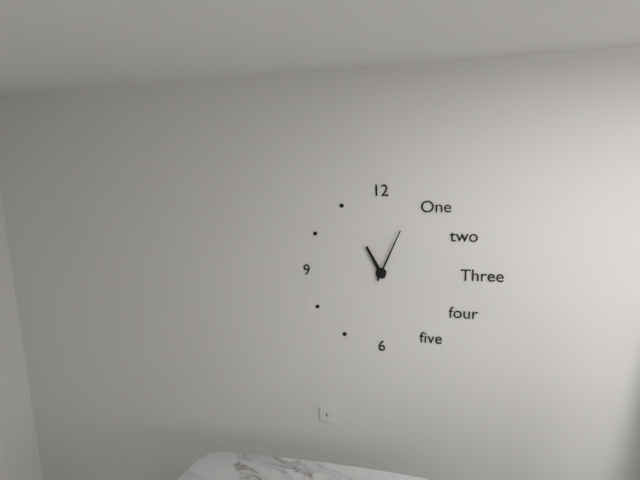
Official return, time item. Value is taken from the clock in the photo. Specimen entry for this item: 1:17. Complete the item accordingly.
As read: 11:04
